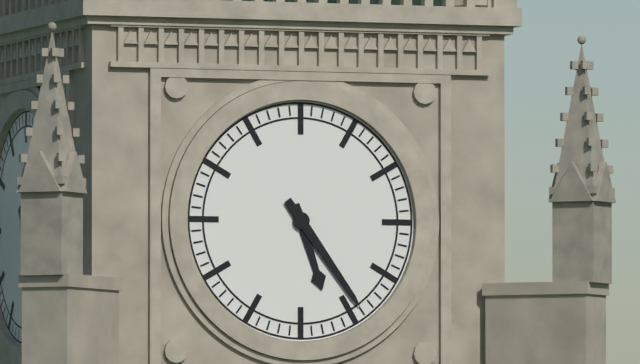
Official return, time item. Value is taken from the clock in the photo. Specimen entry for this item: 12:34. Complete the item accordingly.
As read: 5:24
